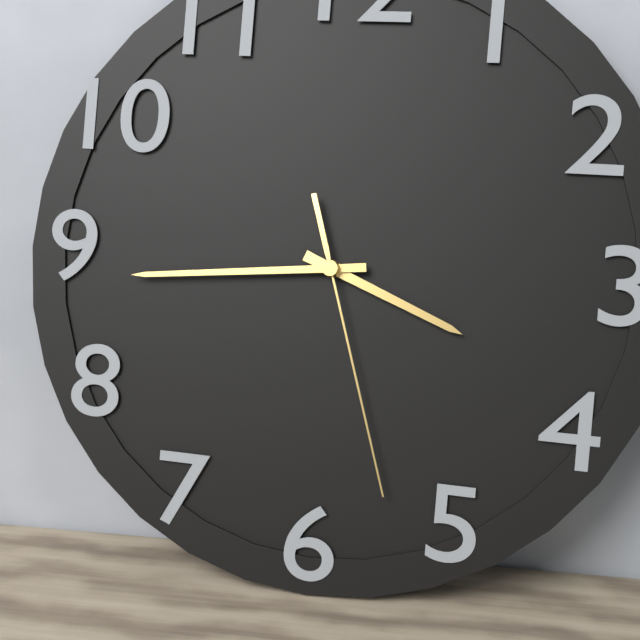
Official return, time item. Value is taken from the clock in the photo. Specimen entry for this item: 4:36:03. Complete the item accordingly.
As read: 3:44:27
